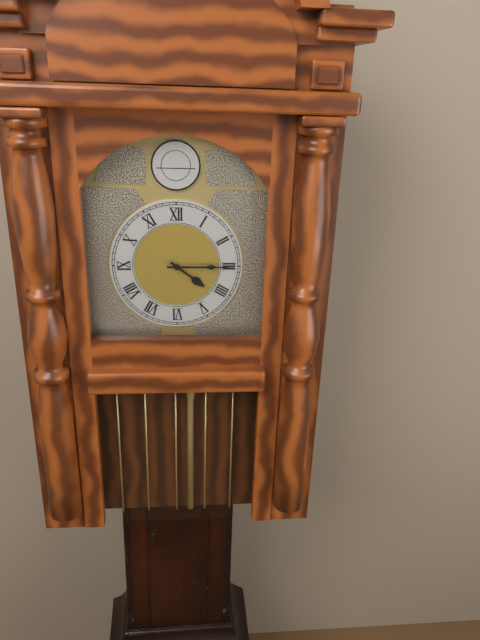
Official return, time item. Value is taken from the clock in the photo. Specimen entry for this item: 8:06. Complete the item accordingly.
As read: 4:15
